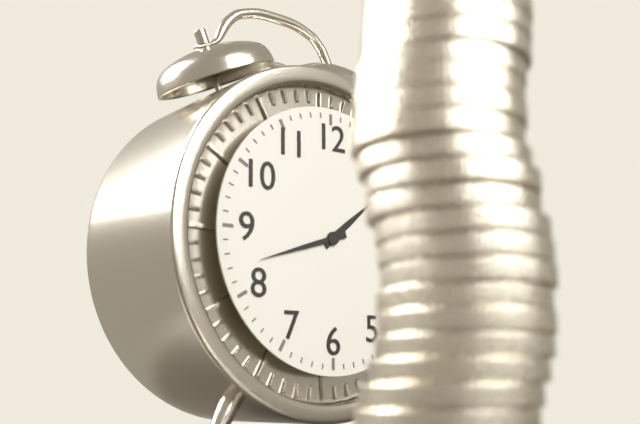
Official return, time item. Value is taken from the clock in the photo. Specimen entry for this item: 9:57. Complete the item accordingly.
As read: 1:42
